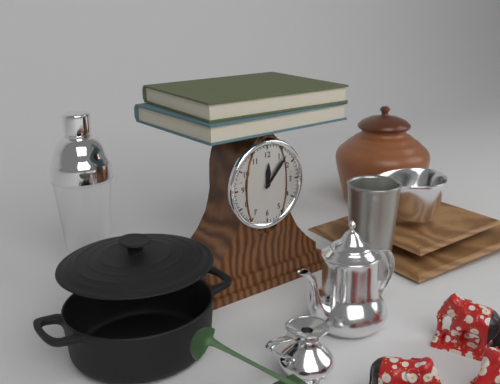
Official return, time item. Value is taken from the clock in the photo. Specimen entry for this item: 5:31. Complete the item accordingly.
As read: 12:07
